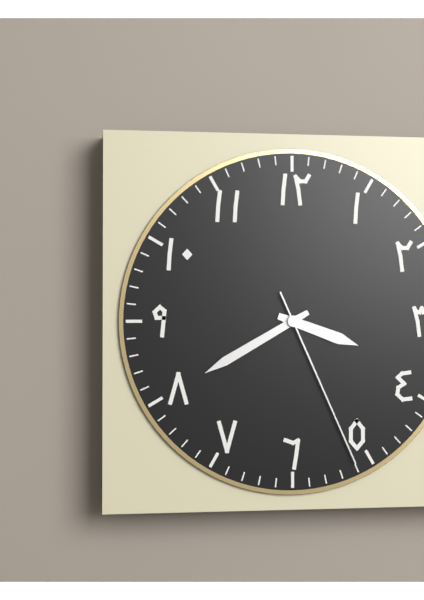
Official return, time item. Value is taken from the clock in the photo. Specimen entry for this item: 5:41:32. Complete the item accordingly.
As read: 3:40:26
